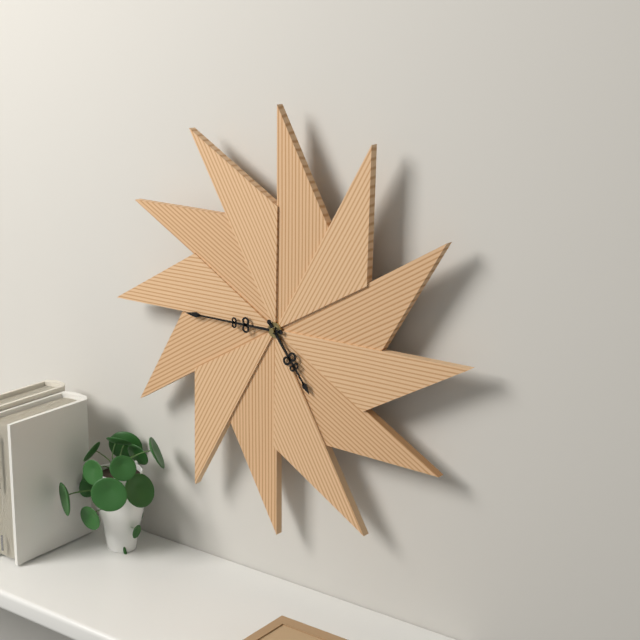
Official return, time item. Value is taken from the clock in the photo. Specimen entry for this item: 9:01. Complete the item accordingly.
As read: 4:45
